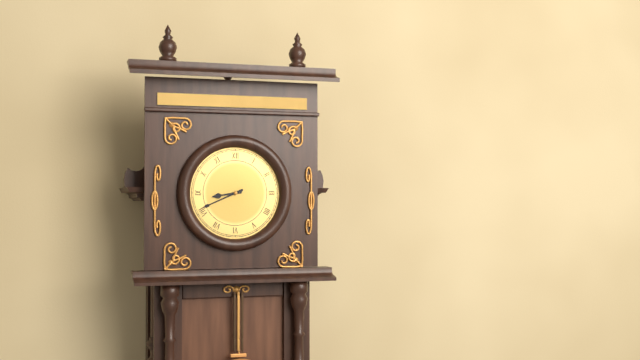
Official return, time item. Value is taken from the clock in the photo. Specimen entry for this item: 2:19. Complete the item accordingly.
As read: 8:41
